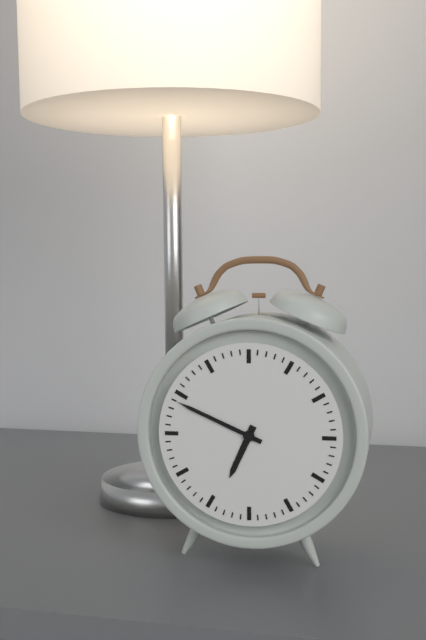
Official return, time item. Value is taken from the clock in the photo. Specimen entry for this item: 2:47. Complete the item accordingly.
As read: 6:49
